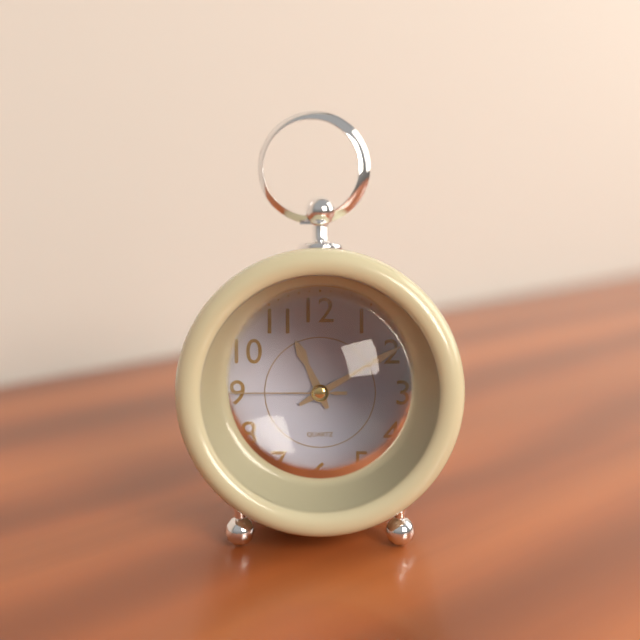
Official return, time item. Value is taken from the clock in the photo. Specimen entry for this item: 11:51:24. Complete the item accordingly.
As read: 11:10:45
